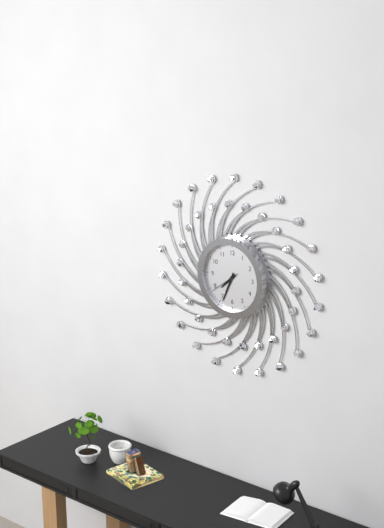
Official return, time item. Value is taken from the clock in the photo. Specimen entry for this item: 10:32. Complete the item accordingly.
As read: 7:34
